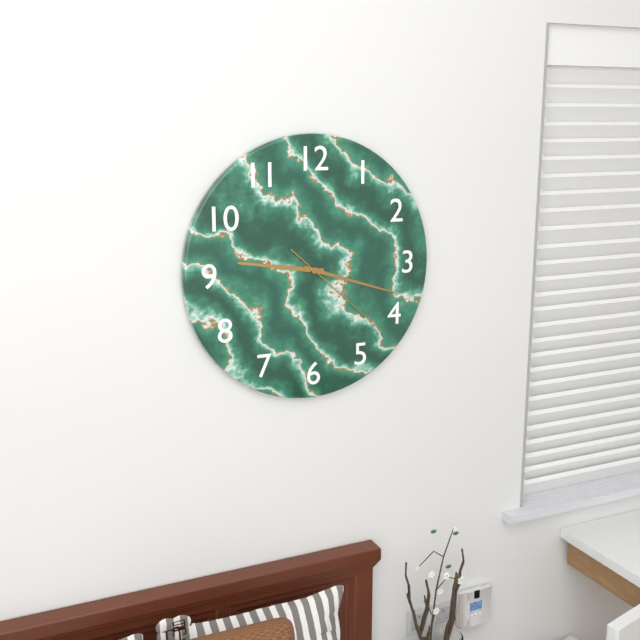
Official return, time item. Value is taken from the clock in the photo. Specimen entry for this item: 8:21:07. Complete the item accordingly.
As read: 9:18:22
